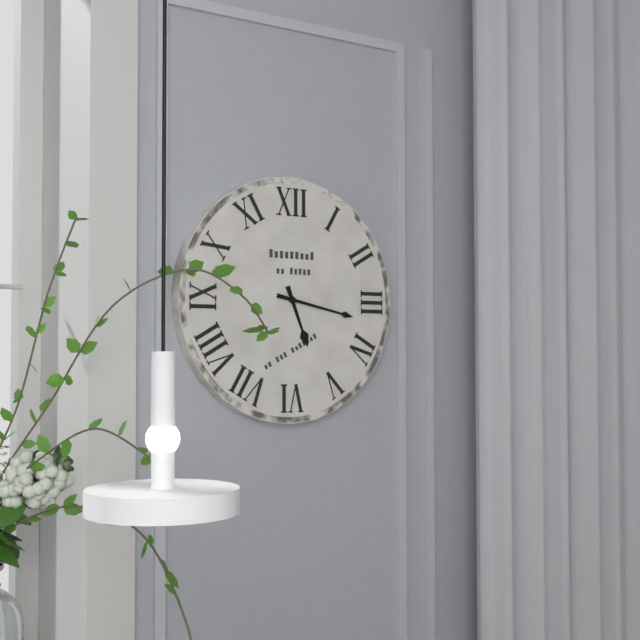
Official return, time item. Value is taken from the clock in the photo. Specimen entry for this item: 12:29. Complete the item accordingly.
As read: 5:17
